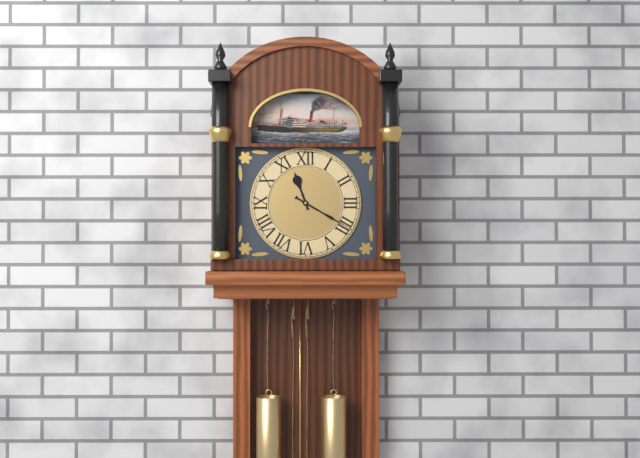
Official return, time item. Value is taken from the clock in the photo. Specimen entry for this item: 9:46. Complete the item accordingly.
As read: 11:20
